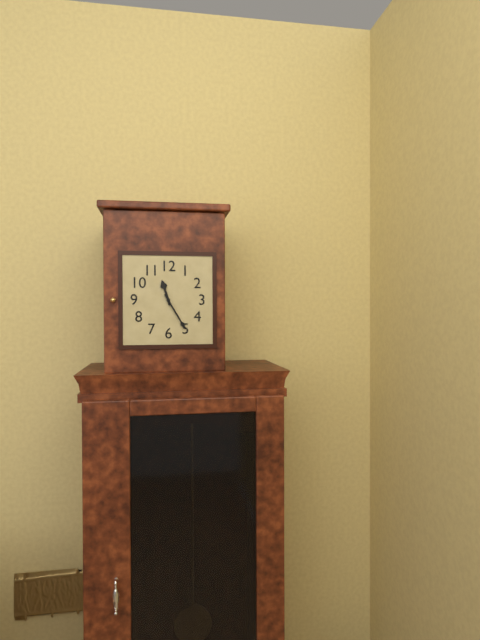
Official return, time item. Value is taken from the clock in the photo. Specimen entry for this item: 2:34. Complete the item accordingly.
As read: 11:25
